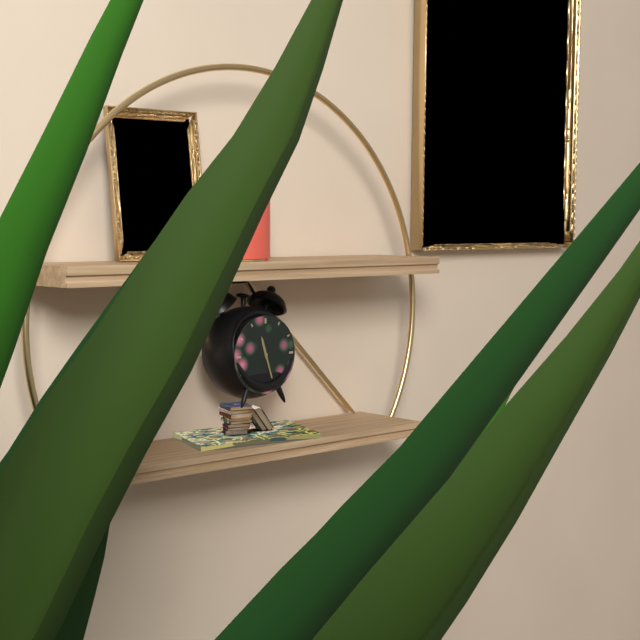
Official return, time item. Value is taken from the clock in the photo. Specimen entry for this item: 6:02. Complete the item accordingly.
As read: 11:27
